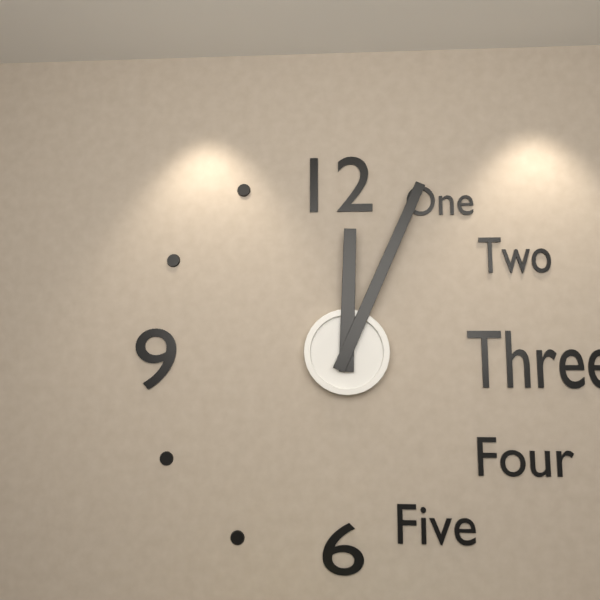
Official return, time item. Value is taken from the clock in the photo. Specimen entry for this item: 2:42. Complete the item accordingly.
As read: 12:04
